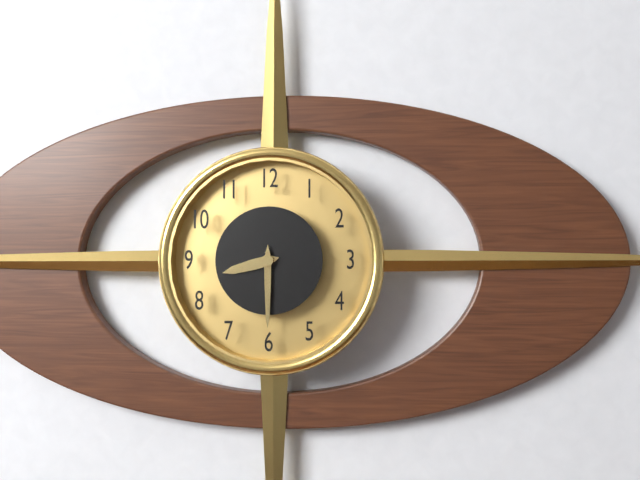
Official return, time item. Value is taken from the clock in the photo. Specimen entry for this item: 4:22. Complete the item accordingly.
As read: 8:30
